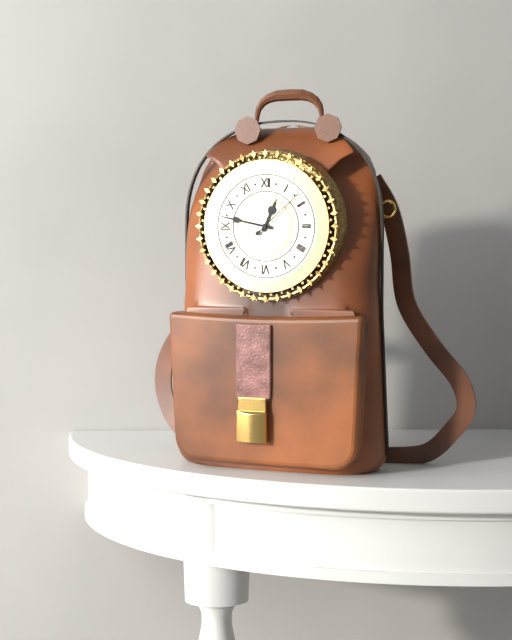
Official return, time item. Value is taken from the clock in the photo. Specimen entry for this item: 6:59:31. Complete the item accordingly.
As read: 12:47:08
